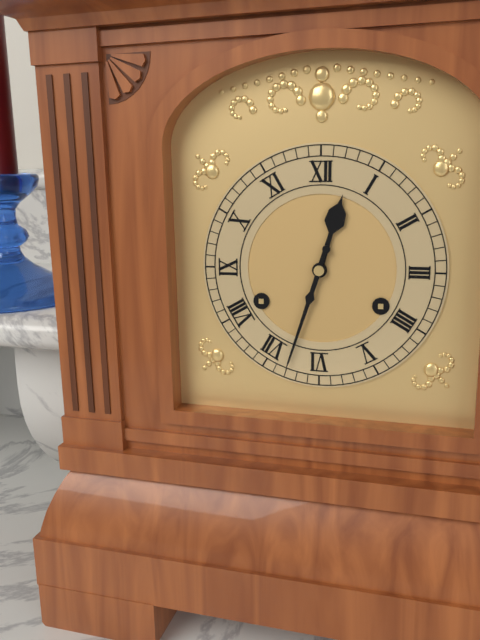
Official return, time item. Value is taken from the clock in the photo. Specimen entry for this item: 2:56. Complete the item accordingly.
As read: 12:33
